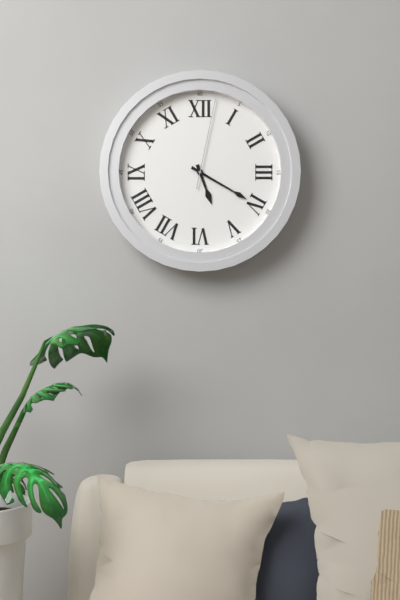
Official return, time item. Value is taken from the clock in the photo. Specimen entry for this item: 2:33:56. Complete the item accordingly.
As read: 5:20:02
